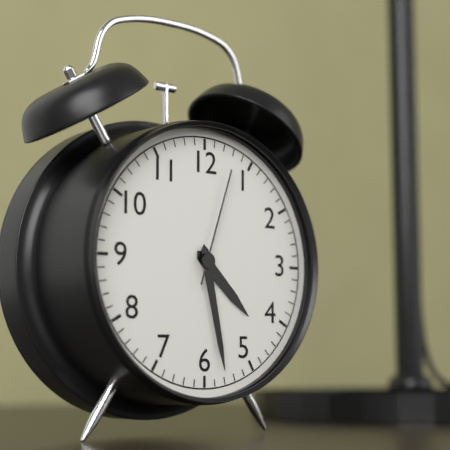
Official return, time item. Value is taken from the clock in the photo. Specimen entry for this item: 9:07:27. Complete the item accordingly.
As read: 4:28:03
